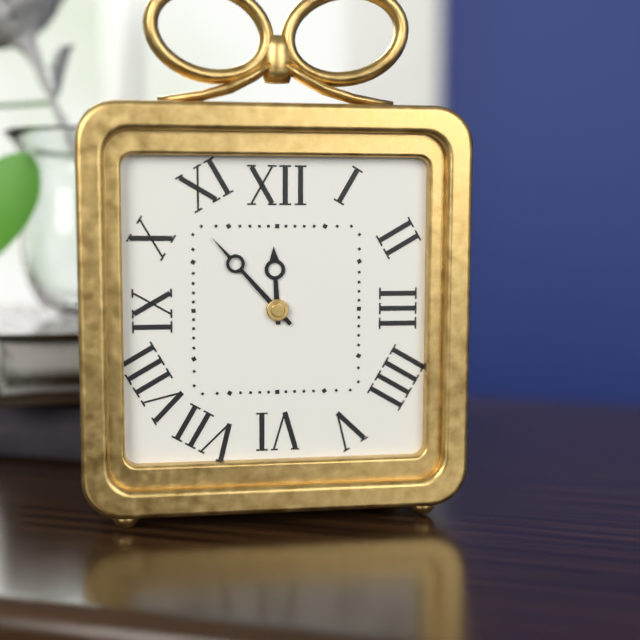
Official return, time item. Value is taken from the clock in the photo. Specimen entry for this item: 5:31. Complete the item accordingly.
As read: 11:53
